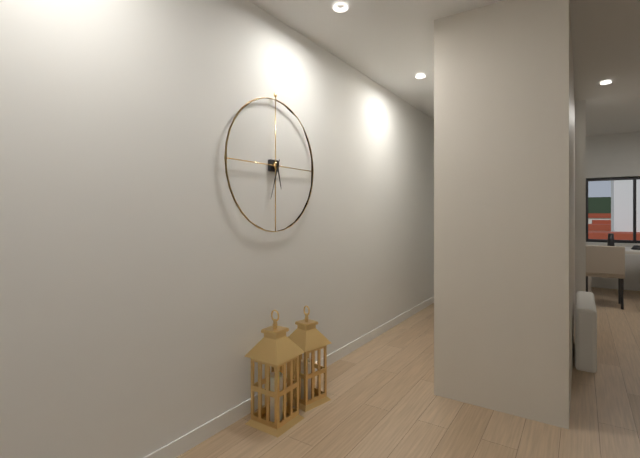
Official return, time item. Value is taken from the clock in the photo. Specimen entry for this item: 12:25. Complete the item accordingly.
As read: 5:33
